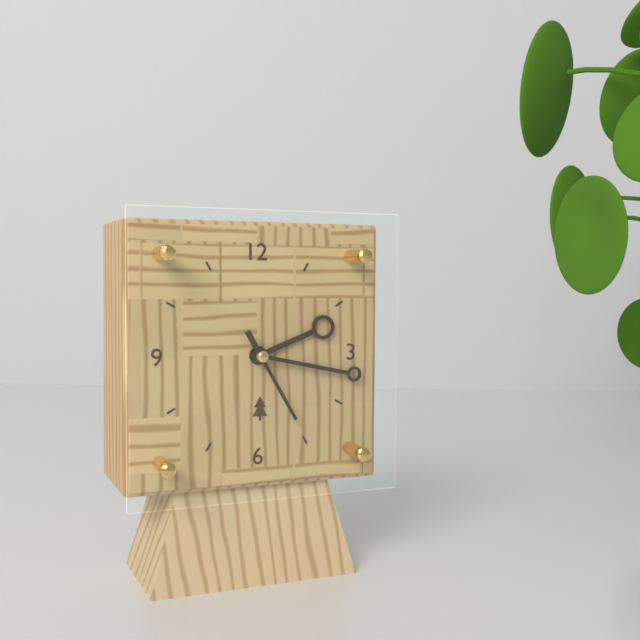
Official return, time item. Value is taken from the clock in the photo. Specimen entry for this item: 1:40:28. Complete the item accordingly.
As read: 2:17:25
